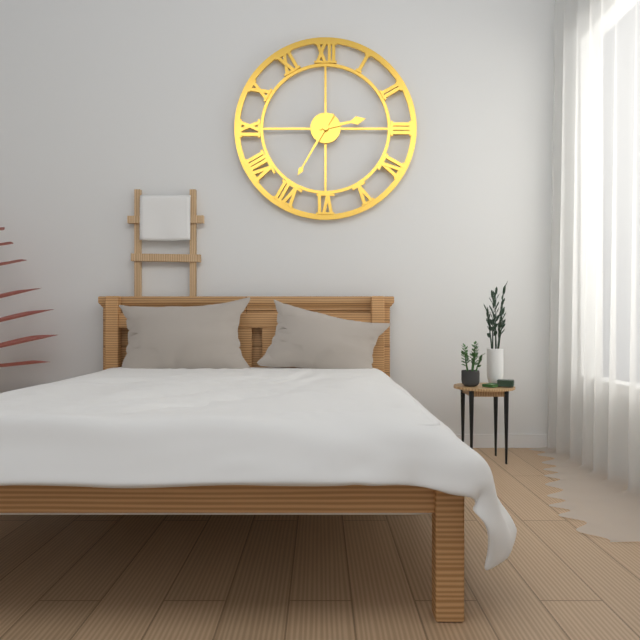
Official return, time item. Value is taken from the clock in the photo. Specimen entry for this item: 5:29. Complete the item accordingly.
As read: 2:35
